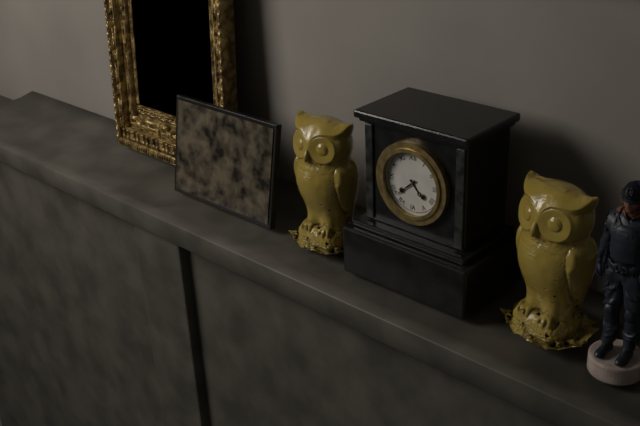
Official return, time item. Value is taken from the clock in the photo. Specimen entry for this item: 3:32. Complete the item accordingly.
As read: 4:38
